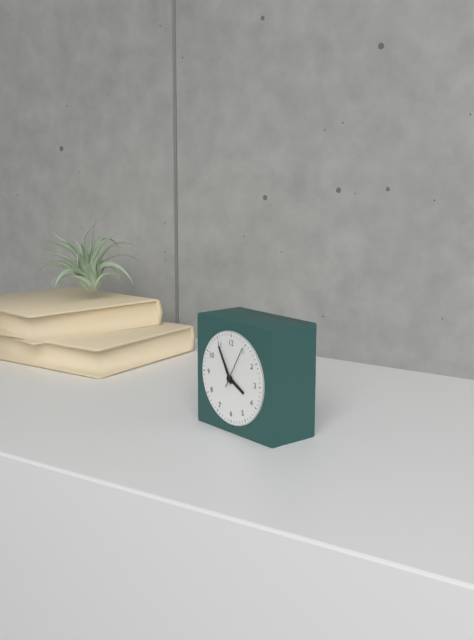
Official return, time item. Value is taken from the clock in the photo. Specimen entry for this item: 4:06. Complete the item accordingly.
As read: 3:55
